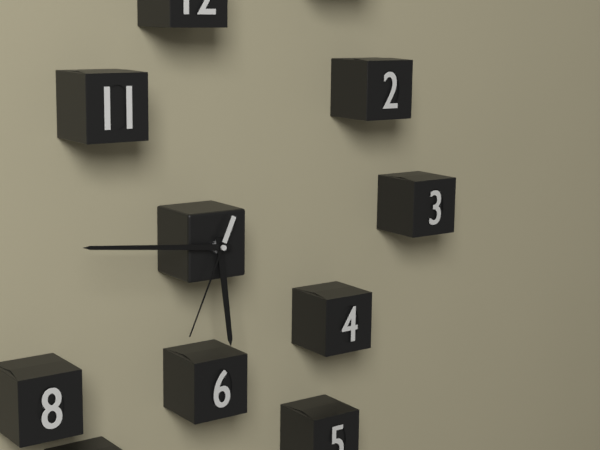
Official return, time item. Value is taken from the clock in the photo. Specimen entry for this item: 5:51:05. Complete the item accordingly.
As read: 5:46:34
